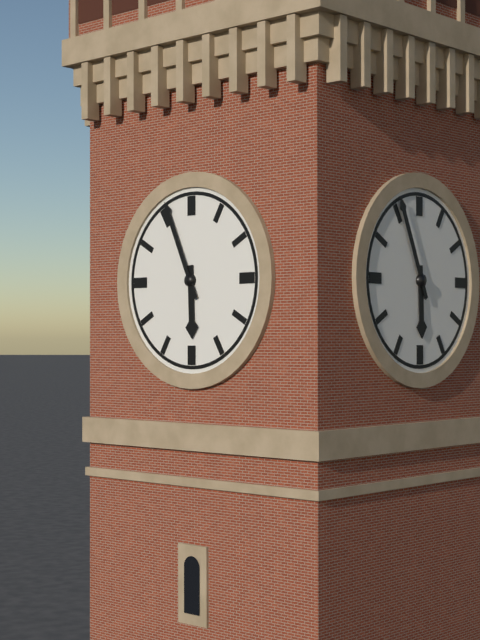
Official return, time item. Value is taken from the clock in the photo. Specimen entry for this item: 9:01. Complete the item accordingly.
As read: 5:56
